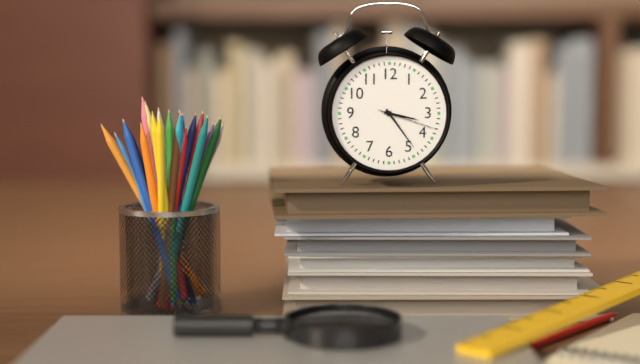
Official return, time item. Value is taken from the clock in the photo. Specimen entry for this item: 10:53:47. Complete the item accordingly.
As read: 3:24:18
